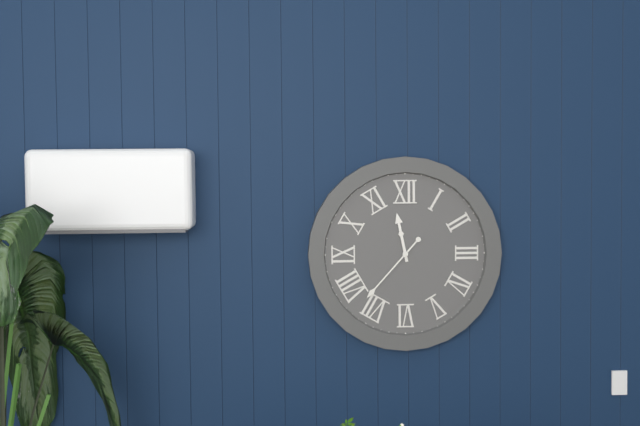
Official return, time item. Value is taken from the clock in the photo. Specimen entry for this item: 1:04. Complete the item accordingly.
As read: 11:37
